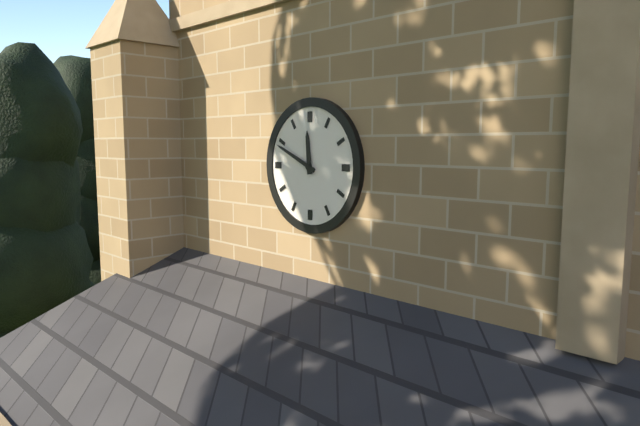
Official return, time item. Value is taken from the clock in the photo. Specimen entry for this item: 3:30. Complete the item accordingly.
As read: 11:49
